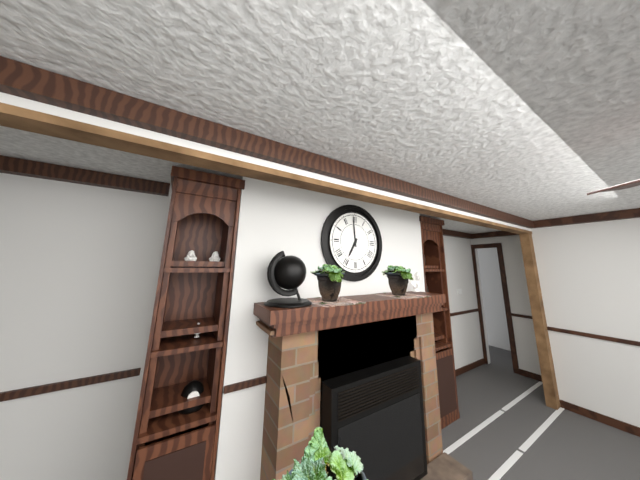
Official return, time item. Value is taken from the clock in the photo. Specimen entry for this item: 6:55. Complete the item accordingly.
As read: 6:59
